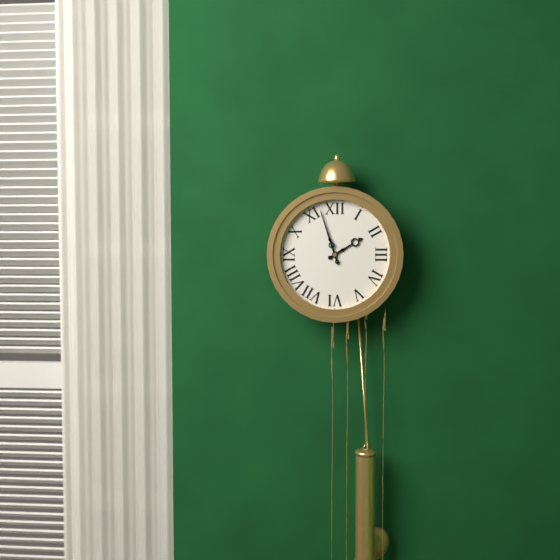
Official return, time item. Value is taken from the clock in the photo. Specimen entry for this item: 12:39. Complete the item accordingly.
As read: 1:57
